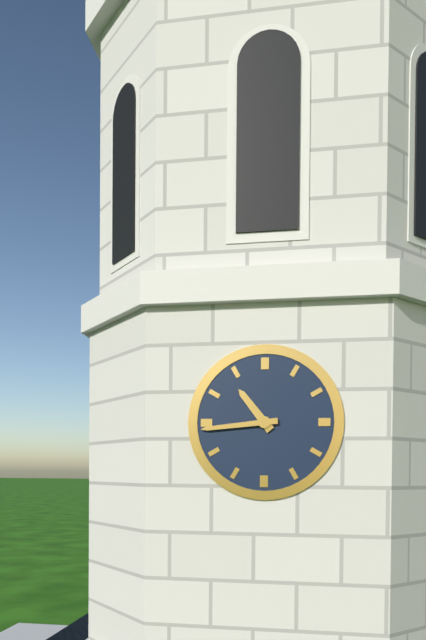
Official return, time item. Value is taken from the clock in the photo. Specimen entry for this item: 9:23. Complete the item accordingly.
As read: 10:44
